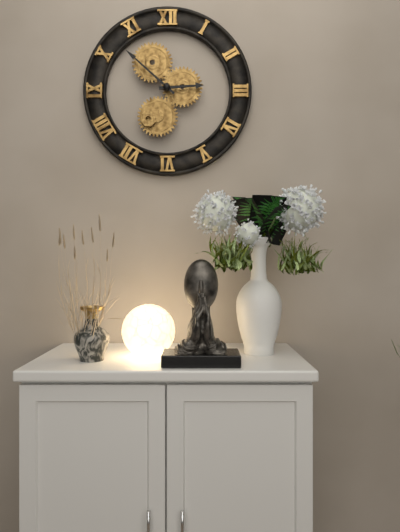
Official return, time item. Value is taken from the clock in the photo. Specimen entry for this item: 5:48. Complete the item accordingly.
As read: 2:52
